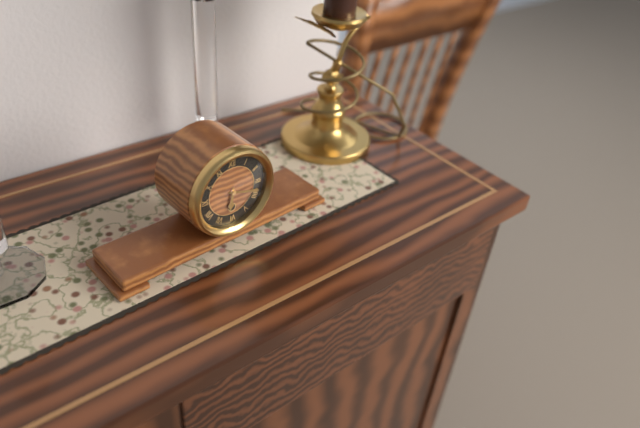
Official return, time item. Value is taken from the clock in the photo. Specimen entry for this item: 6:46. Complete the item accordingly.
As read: 6:18
